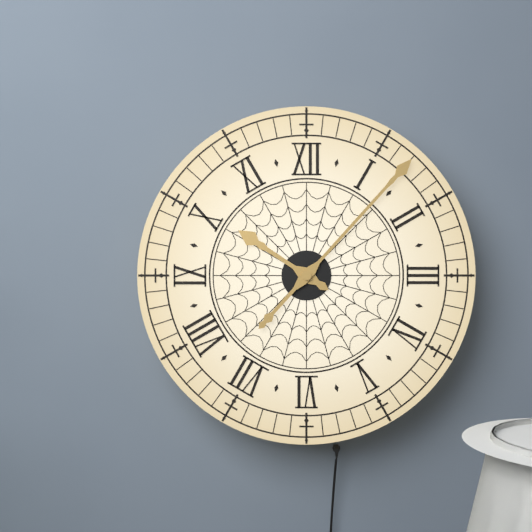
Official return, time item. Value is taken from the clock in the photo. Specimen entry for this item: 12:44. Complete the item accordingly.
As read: 10:07
